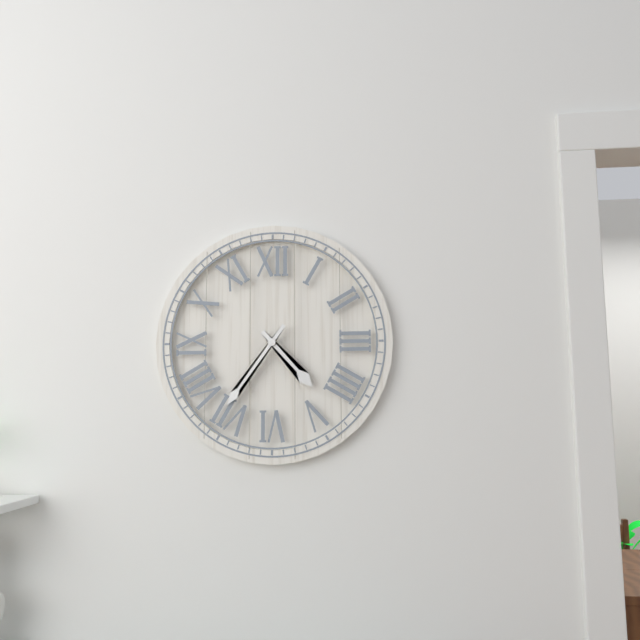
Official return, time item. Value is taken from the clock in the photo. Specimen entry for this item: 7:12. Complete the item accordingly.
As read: 4:36
